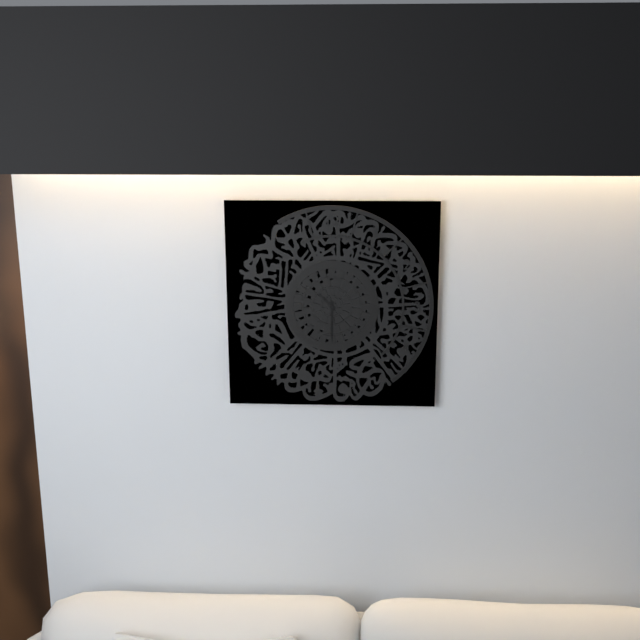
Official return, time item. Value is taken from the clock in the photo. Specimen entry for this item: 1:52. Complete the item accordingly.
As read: 10:30
